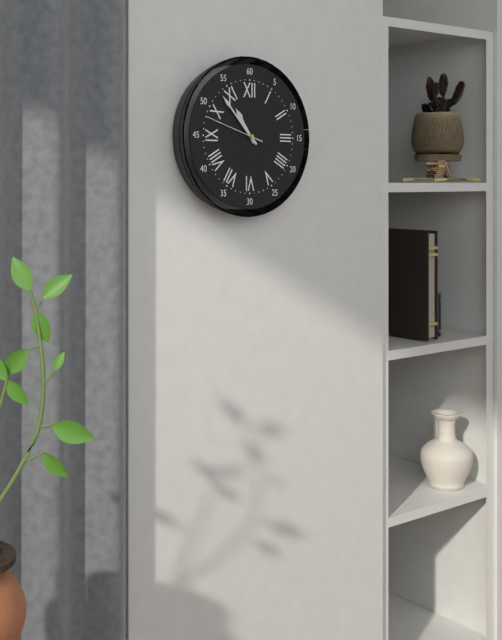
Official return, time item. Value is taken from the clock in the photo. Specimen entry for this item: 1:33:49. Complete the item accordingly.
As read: 10:53:48
